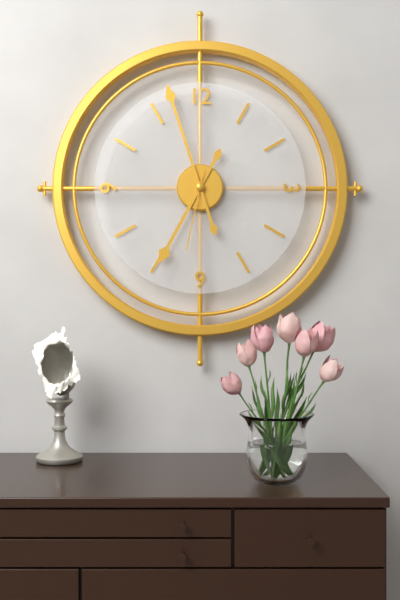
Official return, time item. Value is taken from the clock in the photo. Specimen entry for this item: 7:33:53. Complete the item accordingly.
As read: 6:57:32
